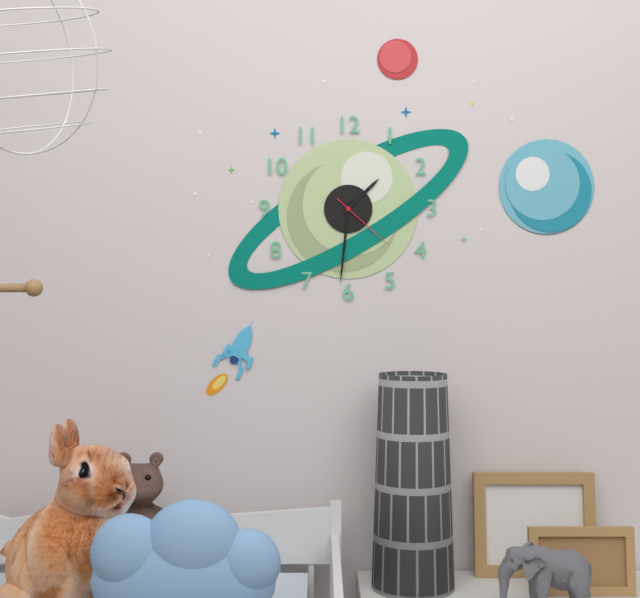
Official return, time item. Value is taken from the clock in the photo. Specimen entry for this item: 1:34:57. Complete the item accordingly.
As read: 1:31:22
